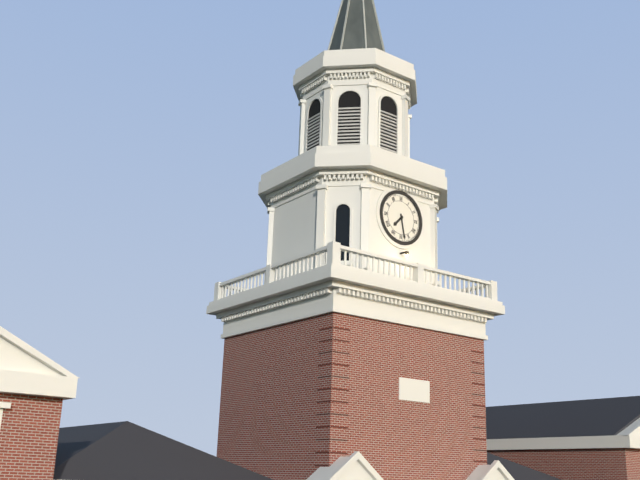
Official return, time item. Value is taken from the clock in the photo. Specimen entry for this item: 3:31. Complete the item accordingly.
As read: 7:28
